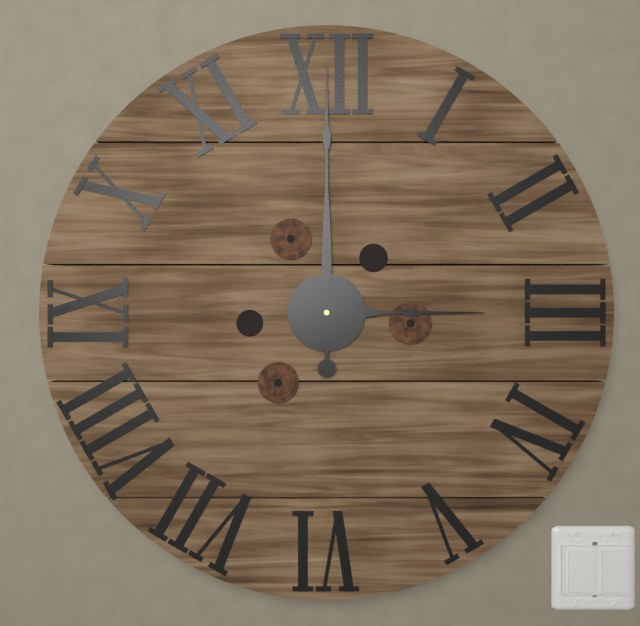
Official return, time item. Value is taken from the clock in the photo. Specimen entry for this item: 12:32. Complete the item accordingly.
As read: 3:00
